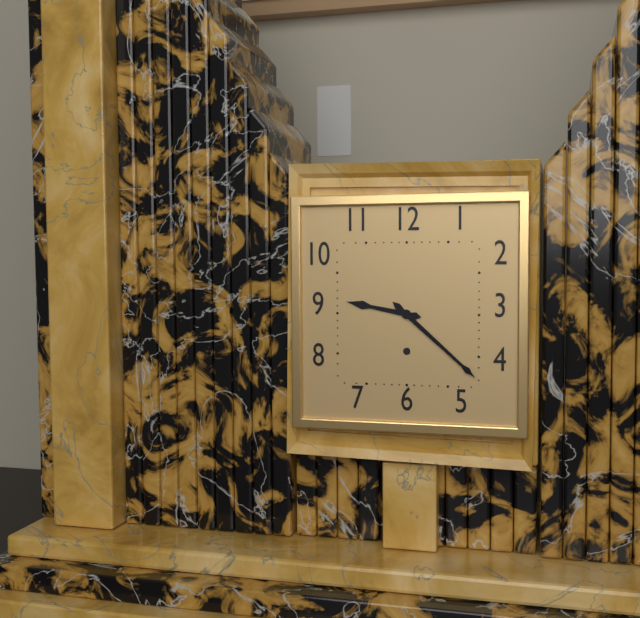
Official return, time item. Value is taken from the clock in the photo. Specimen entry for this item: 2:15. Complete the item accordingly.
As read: 9:22
